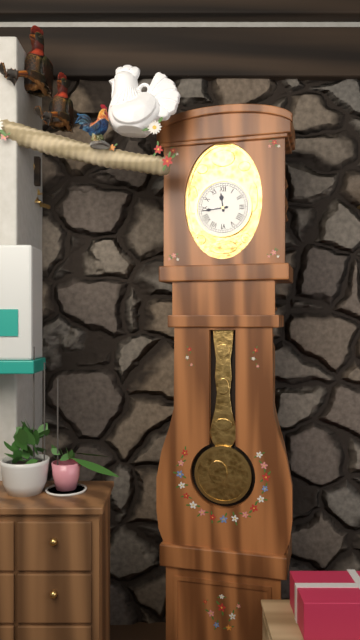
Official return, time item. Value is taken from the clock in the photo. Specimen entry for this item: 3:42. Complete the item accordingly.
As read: 11:44
